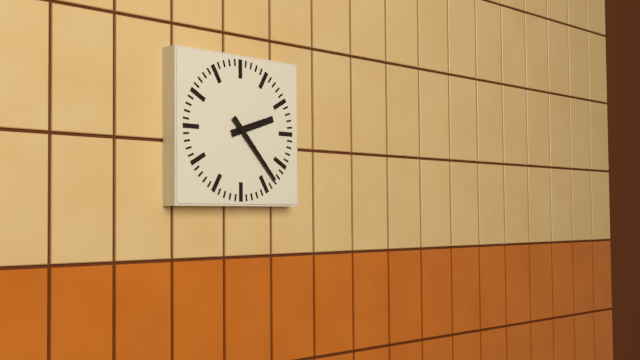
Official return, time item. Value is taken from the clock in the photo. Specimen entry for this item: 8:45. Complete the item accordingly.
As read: 2:23
